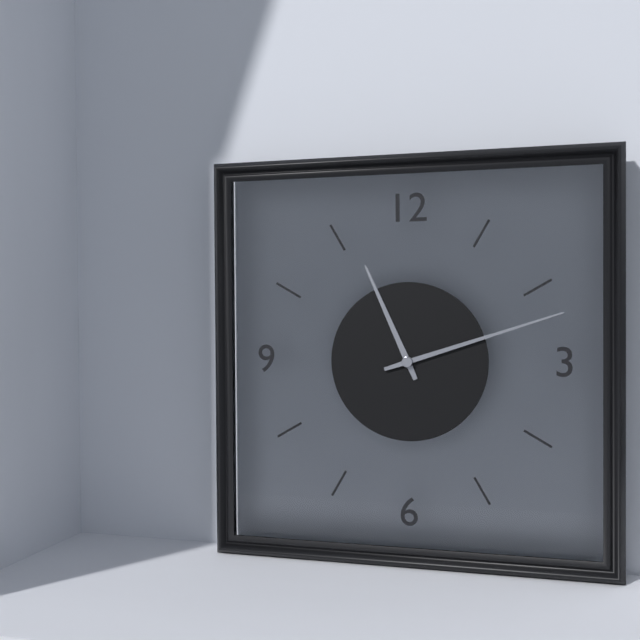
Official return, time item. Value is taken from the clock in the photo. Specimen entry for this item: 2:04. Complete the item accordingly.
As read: 11:12
